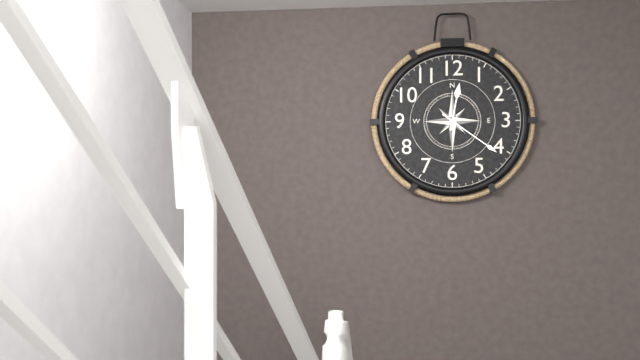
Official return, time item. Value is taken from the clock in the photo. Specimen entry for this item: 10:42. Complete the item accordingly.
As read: 12:21
